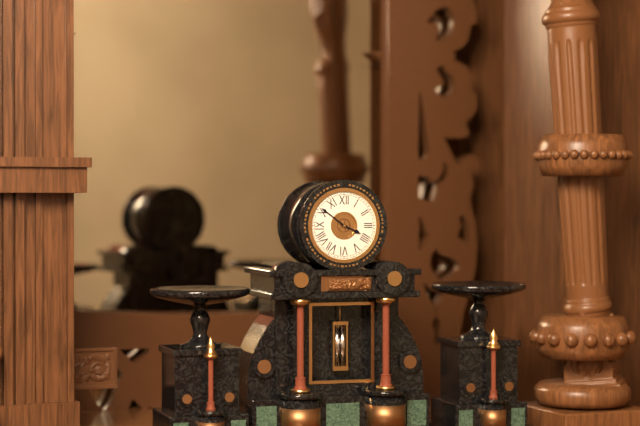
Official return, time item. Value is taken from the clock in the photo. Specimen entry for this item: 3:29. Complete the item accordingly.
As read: 3:51
